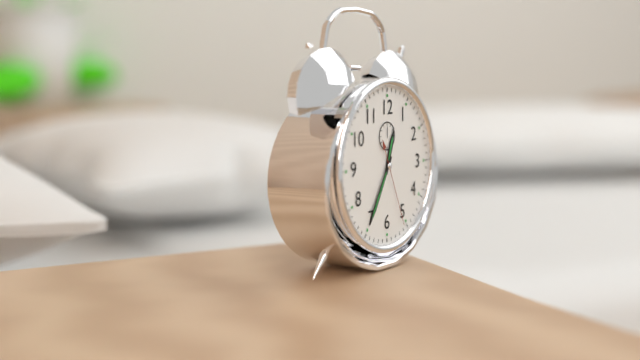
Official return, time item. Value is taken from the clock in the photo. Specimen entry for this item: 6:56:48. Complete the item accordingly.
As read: 12:35:26
